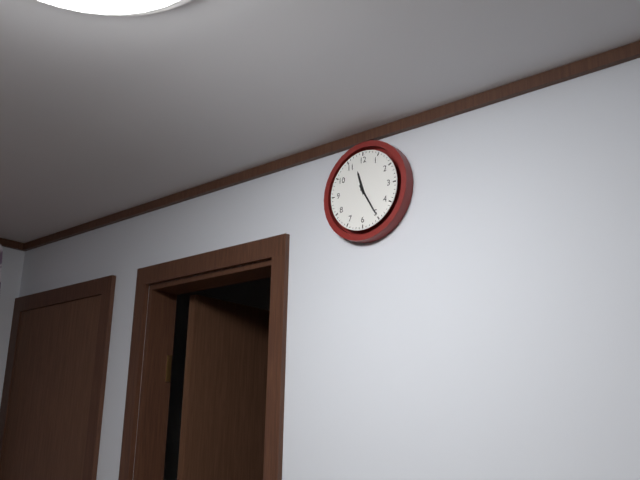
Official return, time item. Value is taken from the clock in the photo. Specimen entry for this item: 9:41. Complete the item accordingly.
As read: 11:25
